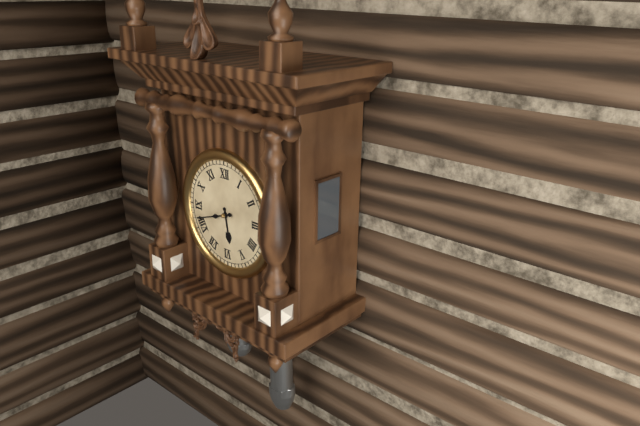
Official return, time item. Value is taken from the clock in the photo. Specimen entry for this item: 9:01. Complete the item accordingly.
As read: 5:42
